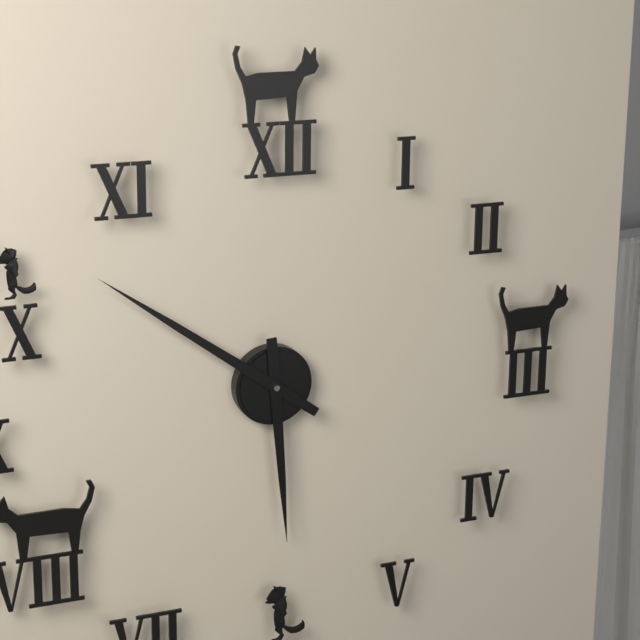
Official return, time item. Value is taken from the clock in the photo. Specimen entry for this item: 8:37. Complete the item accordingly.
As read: 5:51
